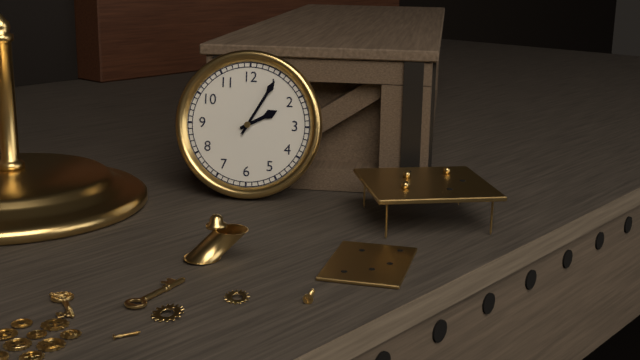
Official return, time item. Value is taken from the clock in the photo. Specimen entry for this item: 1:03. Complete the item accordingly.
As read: 2:05
